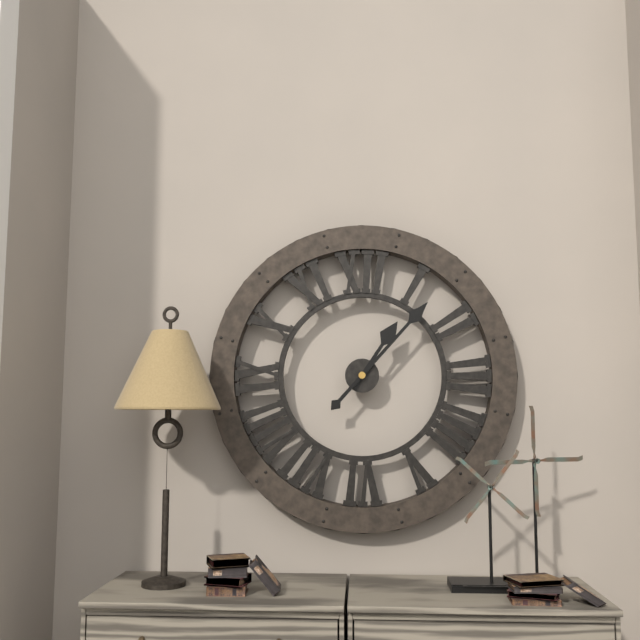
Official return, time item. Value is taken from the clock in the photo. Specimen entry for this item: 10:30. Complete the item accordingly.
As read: 1:07
